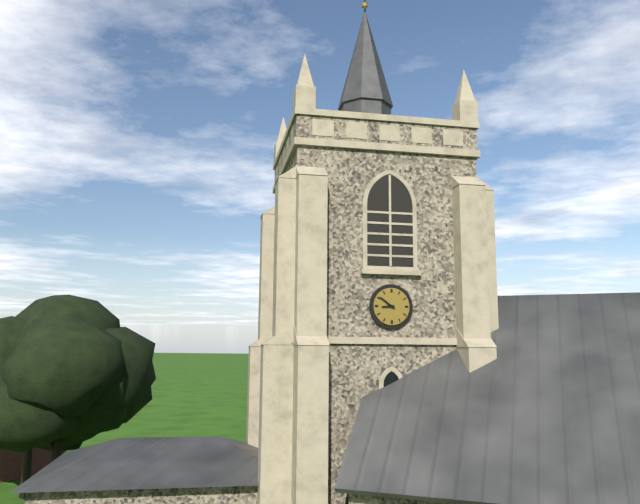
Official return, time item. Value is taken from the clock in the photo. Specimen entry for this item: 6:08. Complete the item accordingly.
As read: 8:51
